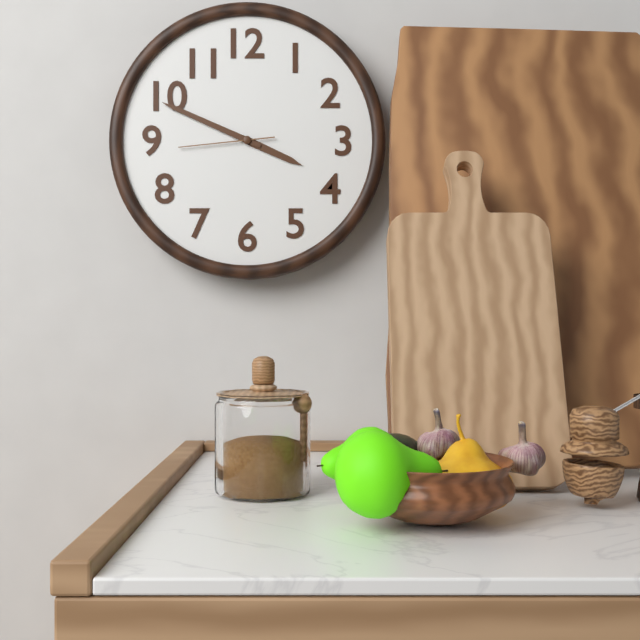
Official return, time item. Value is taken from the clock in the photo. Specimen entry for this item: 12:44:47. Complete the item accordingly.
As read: 3:49:44
